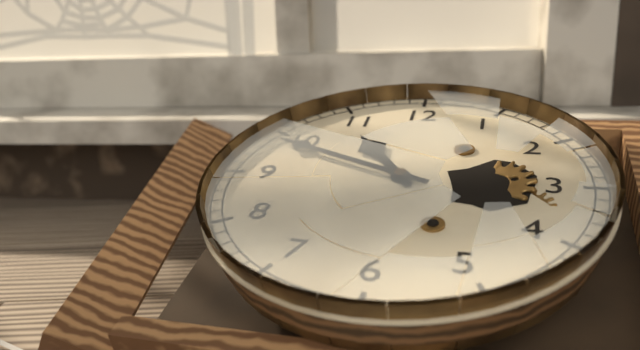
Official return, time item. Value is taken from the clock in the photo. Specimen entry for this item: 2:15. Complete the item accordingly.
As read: 10:49
